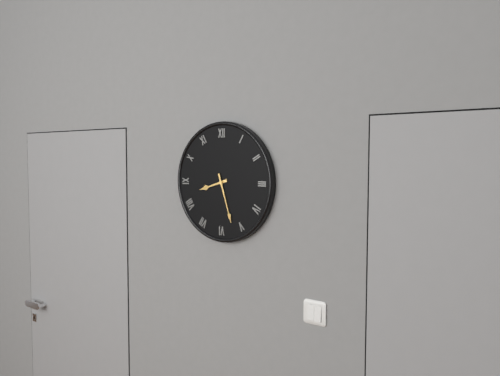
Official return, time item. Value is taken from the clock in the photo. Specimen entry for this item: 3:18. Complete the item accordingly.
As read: 8:27
